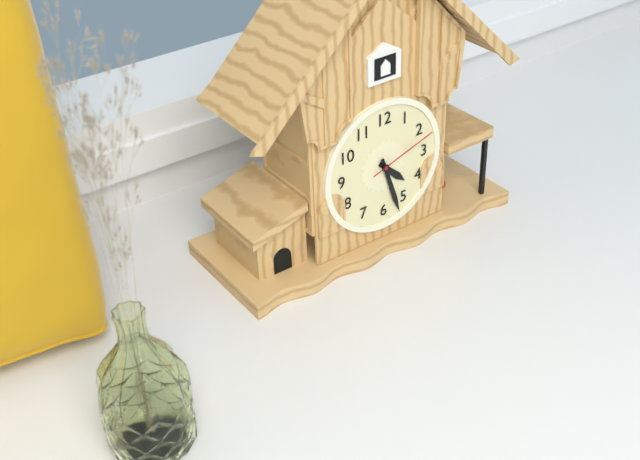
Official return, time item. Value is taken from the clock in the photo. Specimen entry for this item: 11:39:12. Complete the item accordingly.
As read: 4:27:12
